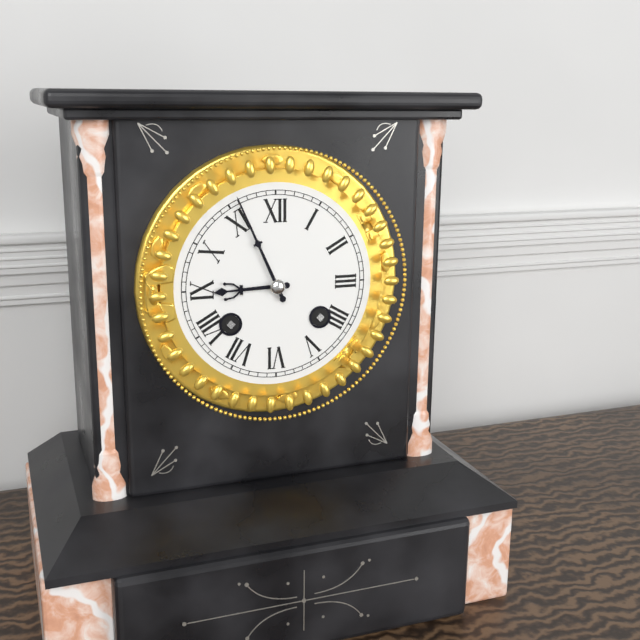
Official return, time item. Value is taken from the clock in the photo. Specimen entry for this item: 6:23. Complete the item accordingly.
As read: 8:56
